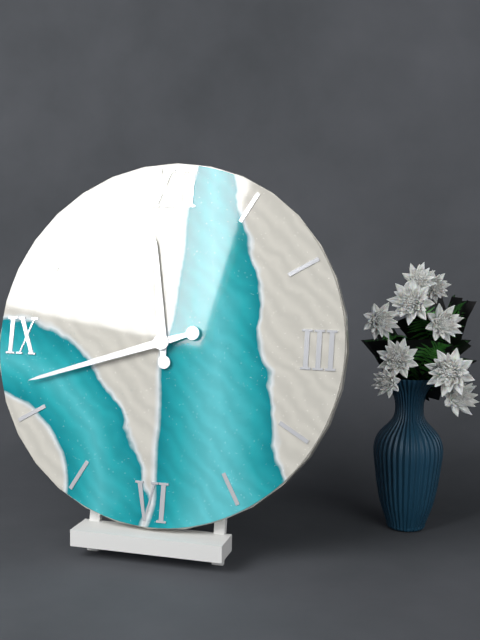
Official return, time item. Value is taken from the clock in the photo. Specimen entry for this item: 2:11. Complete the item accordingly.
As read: 11:42
